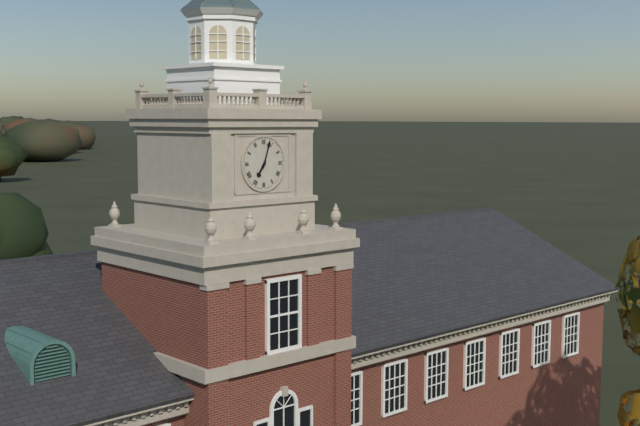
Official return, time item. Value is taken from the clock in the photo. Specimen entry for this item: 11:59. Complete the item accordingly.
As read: 7:03
